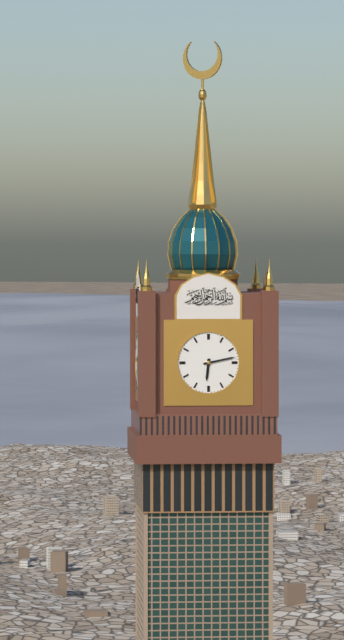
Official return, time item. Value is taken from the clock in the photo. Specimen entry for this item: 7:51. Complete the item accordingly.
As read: 6:13
